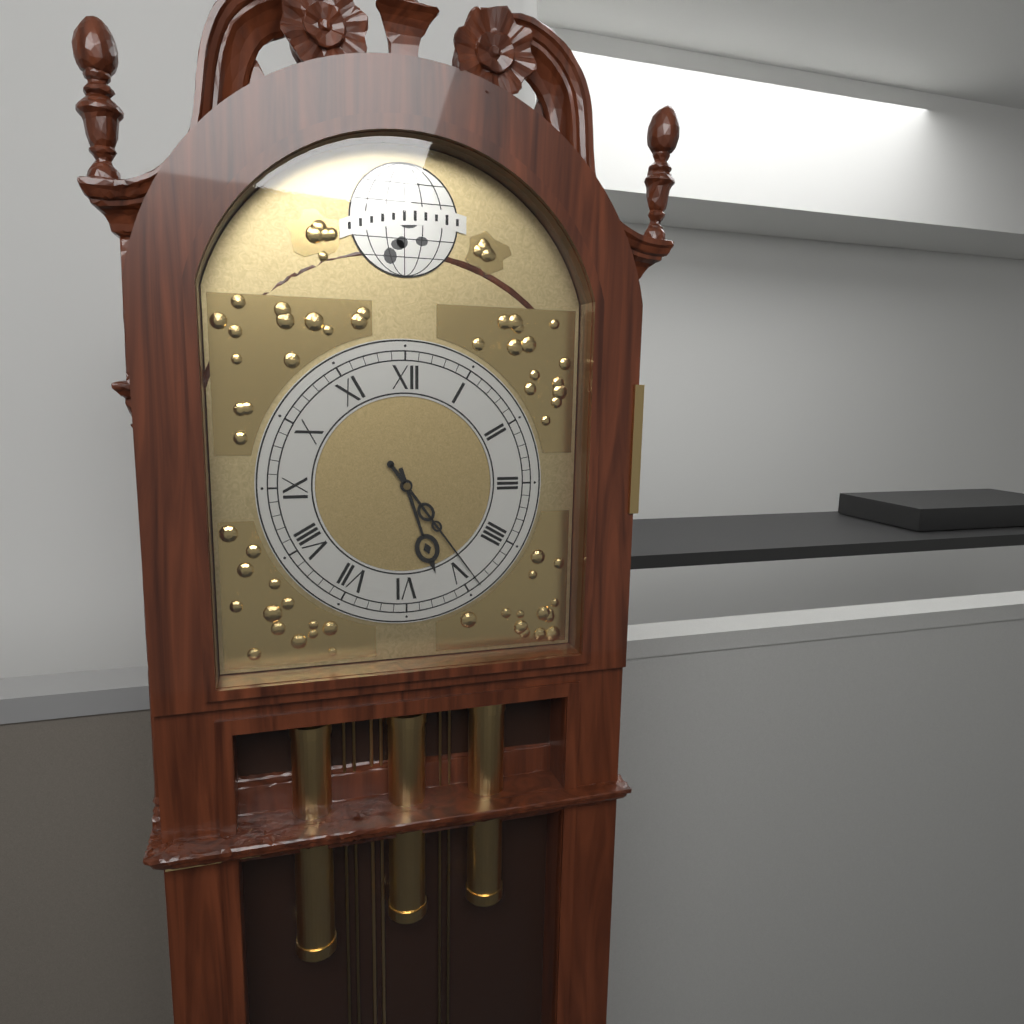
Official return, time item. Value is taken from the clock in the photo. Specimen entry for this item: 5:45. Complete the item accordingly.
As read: 5:24
